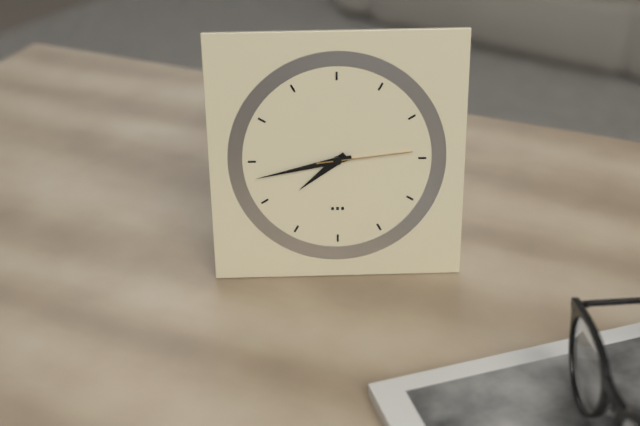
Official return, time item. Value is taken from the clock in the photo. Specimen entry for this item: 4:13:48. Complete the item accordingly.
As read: 7:43:14
